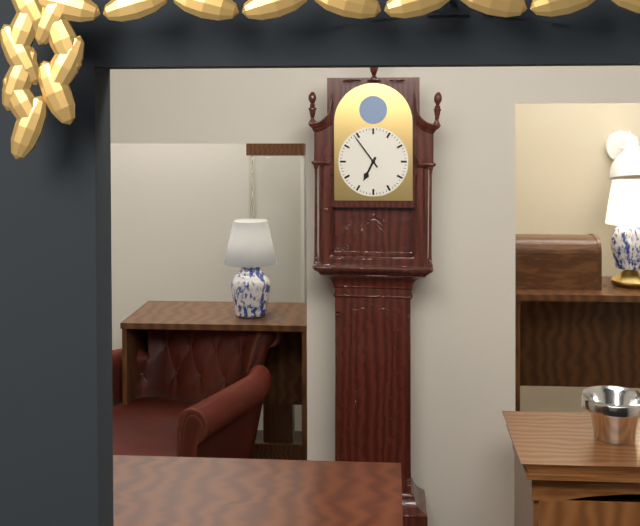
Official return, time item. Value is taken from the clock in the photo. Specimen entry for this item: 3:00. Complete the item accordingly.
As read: 6:54
